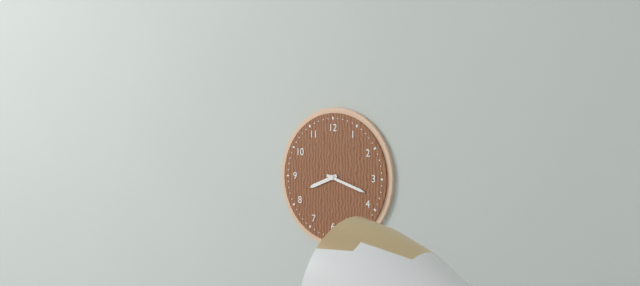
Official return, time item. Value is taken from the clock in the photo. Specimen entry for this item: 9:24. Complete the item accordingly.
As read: 8:18
